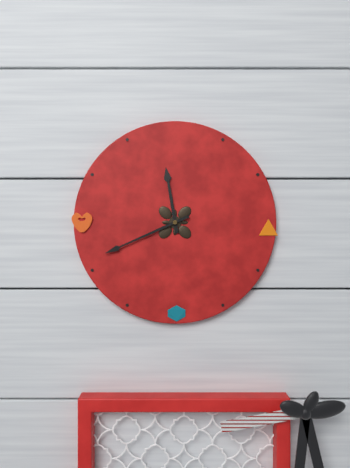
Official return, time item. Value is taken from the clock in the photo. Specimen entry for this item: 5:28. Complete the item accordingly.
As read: 11:41
